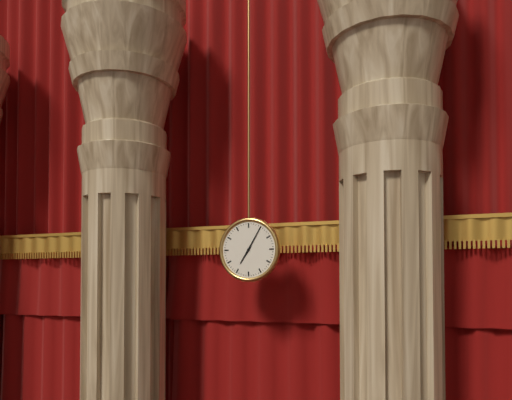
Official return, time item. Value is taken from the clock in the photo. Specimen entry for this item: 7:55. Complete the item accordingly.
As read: 7:05
